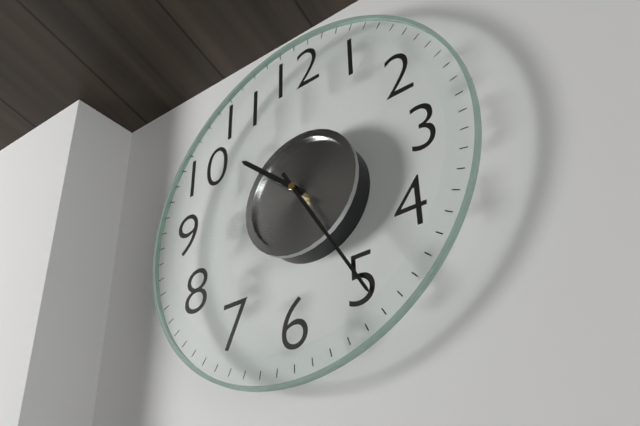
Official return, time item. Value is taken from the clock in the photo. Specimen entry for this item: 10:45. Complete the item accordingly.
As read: 10:25
